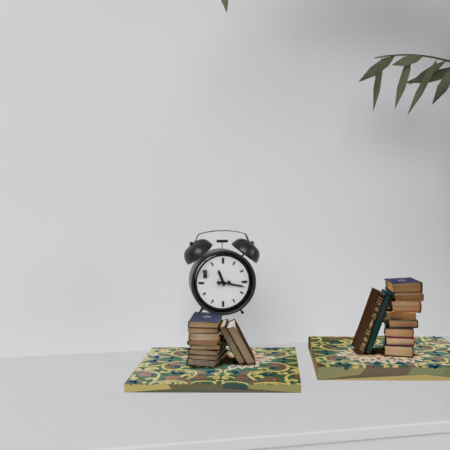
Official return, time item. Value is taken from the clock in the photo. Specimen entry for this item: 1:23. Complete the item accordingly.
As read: 11:17
